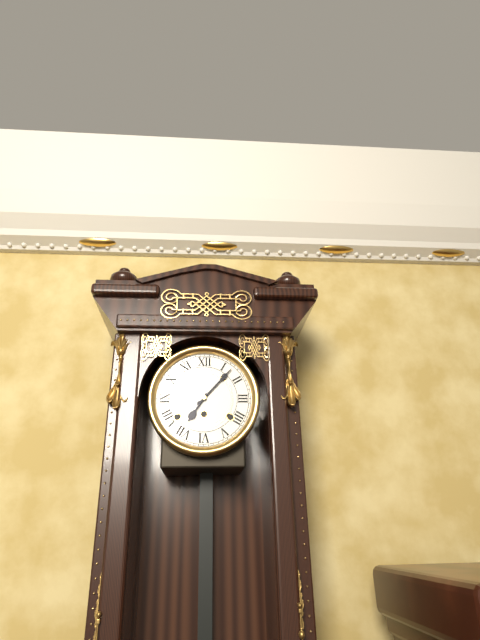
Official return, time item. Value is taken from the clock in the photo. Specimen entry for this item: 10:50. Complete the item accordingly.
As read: 7:07
